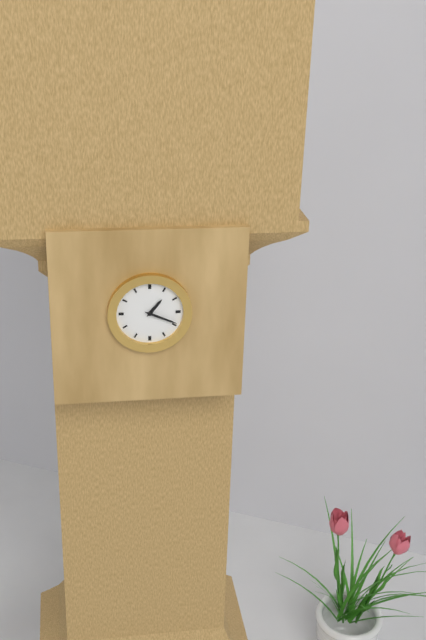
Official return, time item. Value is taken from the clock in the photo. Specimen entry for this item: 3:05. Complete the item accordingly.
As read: 1:19
